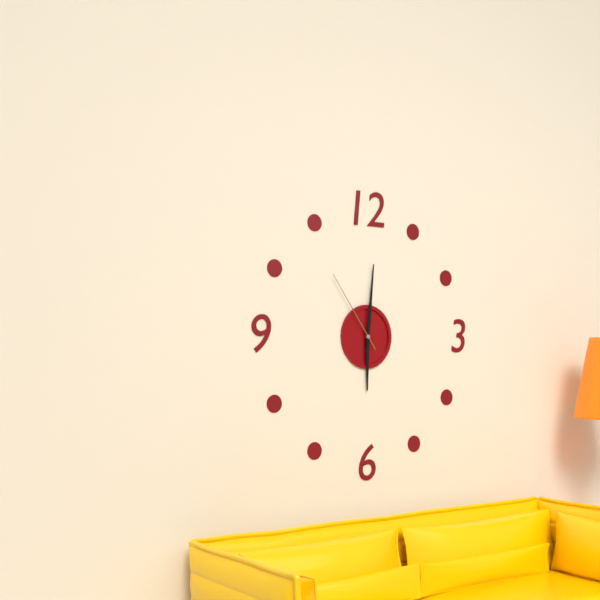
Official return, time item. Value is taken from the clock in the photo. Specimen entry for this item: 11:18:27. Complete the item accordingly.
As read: 6:01:54
